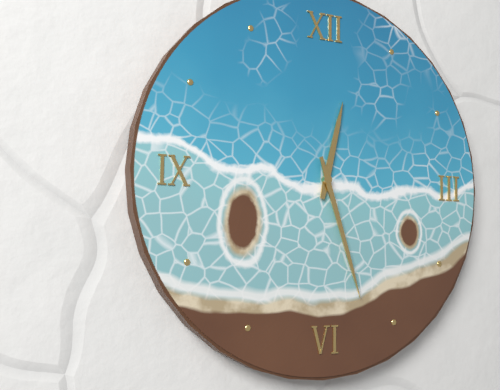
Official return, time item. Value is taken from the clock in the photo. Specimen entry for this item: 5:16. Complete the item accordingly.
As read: 12:27
